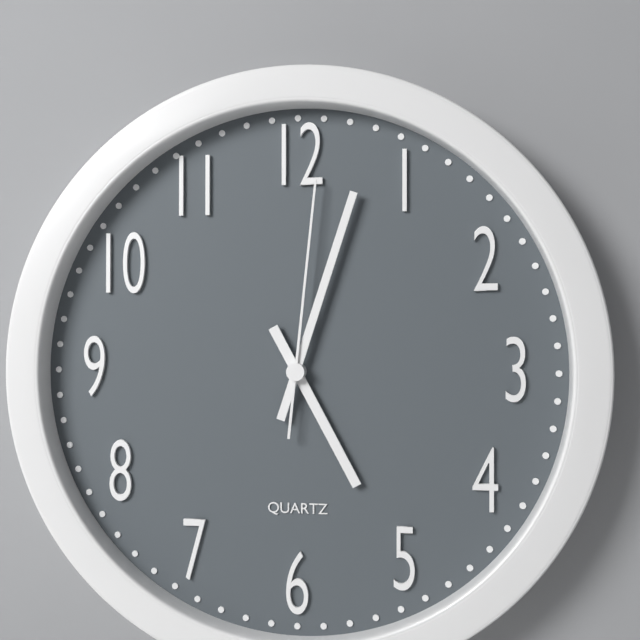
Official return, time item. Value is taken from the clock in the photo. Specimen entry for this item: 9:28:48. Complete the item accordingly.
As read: 5:03:01
